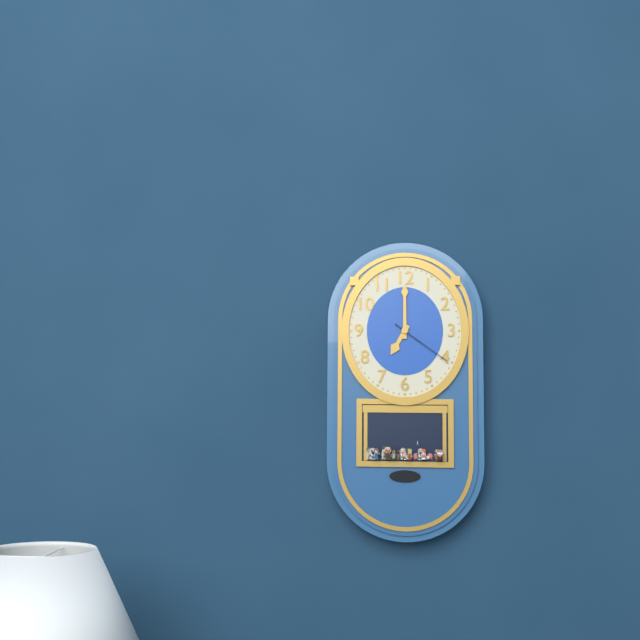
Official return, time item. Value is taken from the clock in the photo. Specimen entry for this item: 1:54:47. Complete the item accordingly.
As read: 7:00:21
